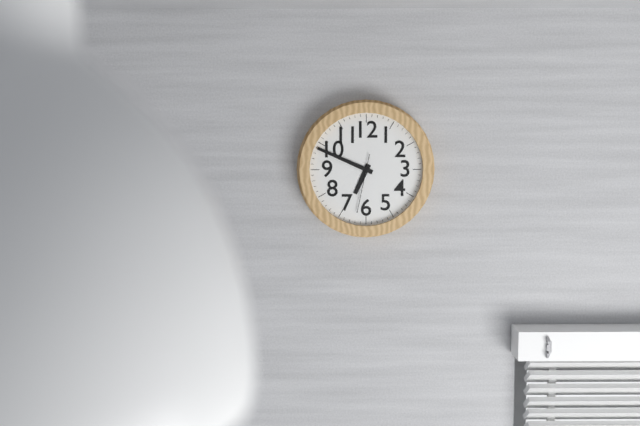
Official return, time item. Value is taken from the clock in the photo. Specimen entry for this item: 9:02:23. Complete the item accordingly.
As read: 6:49:32
